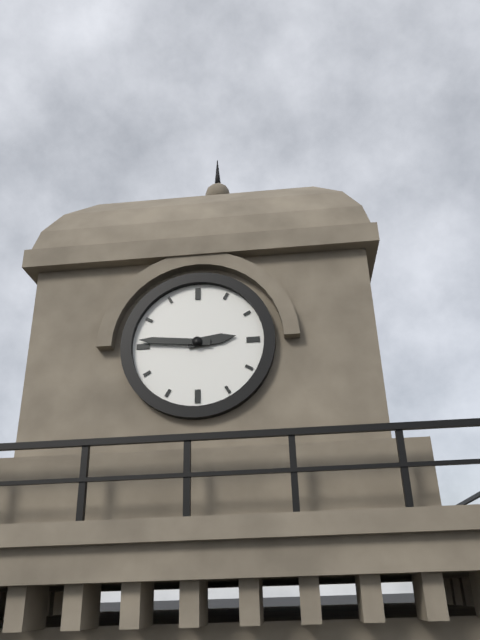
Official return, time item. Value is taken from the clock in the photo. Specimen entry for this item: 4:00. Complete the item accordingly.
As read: 2:46
